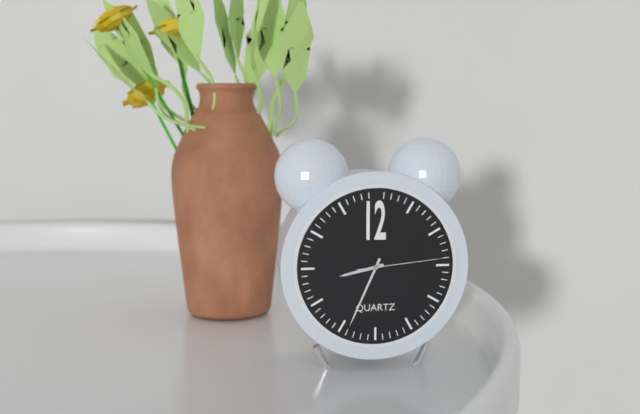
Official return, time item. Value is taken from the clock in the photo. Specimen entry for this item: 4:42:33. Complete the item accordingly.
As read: 8:34:14
